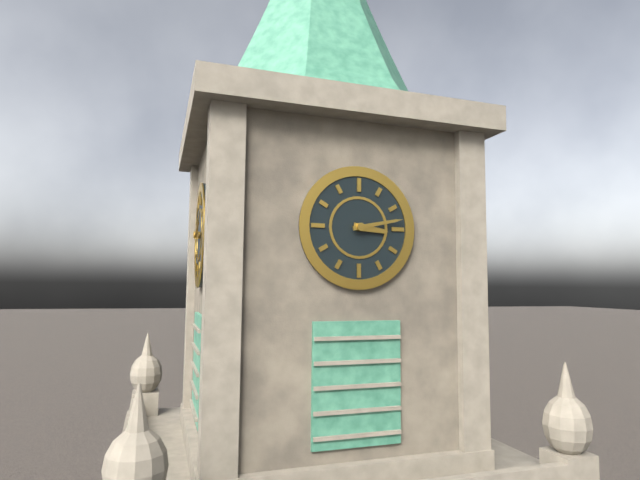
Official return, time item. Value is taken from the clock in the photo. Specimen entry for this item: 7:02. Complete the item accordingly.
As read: 3:13
